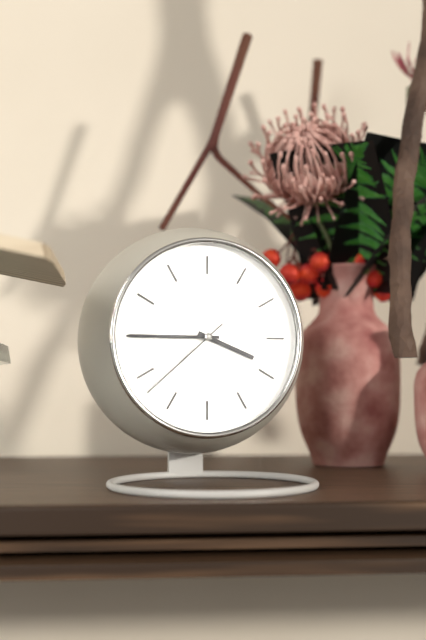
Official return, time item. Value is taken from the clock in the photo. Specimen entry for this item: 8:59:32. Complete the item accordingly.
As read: 3:45:38
